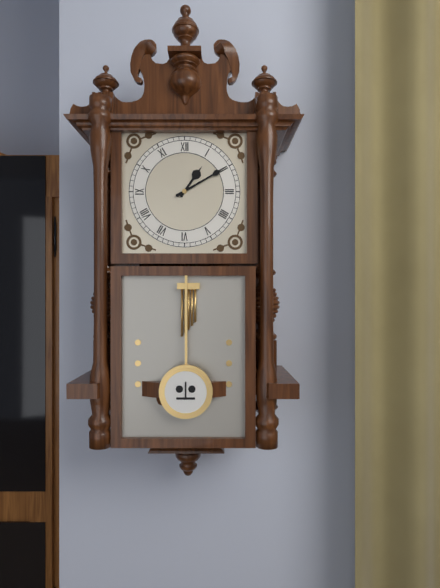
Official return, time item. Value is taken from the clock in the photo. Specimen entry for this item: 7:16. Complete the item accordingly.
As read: 1:10
